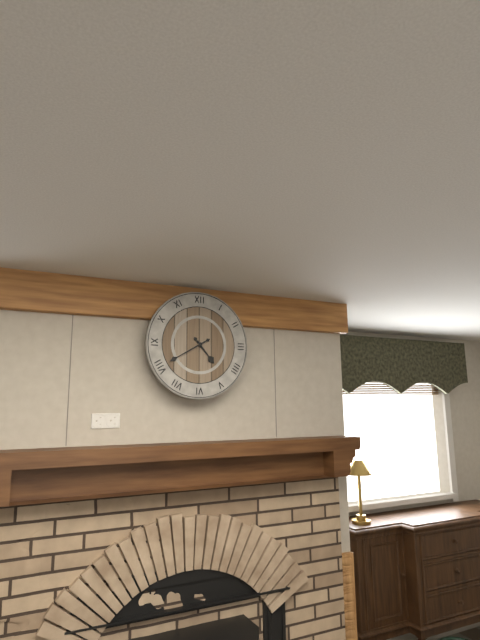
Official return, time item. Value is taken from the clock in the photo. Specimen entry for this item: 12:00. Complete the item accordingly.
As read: 4:40
